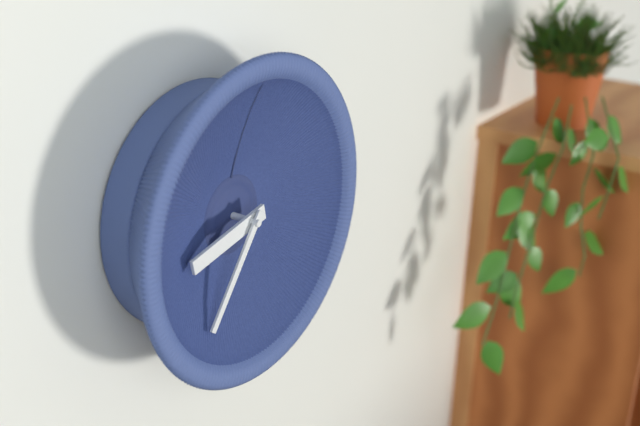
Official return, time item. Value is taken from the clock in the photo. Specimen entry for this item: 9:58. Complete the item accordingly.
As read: 8:36
